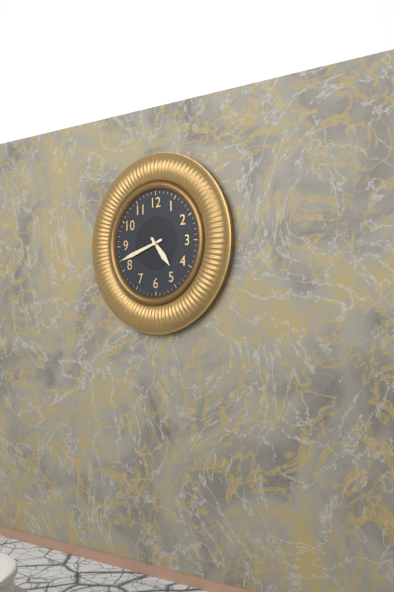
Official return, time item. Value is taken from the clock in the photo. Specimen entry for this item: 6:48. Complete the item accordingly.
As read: 4:42
